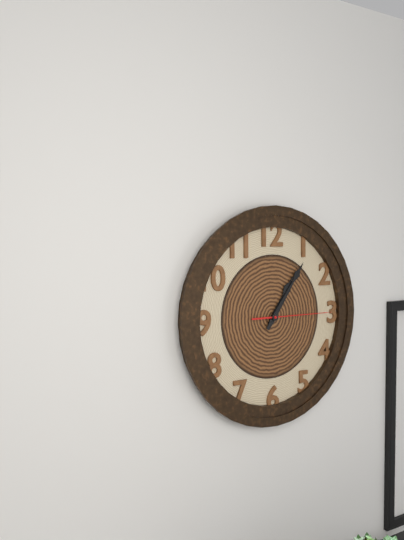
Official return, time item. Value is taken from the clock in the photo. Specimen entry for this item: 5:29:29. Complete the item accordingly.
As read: 1:06:15
